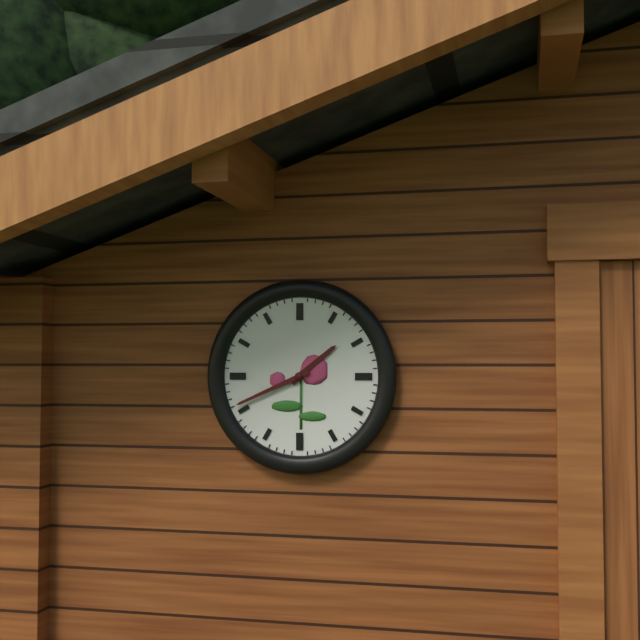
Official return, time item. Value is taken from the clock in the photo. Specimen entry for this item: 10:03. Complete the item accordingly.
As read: 1:41
